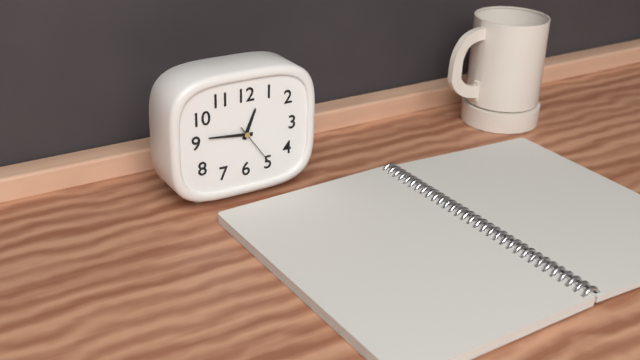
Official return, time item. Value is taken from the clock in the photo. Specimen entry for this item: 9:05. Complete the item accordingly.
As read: 12:46
